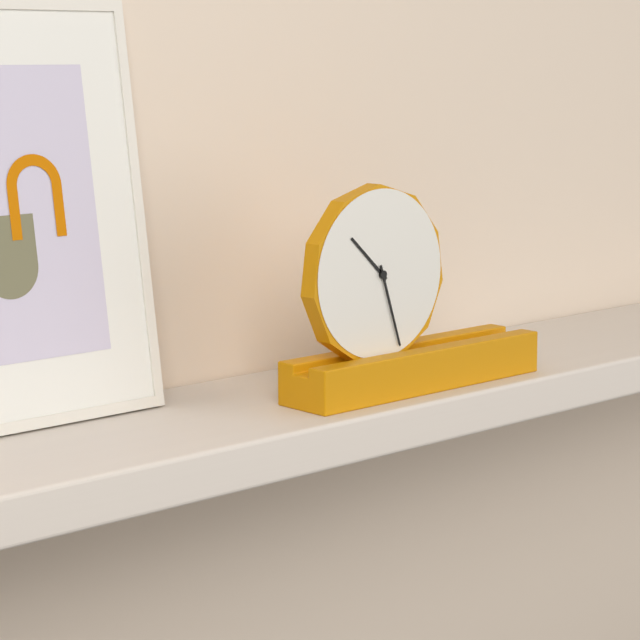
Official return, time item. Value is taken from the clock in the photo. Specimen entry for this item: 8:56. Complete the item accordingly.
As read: 10:27
